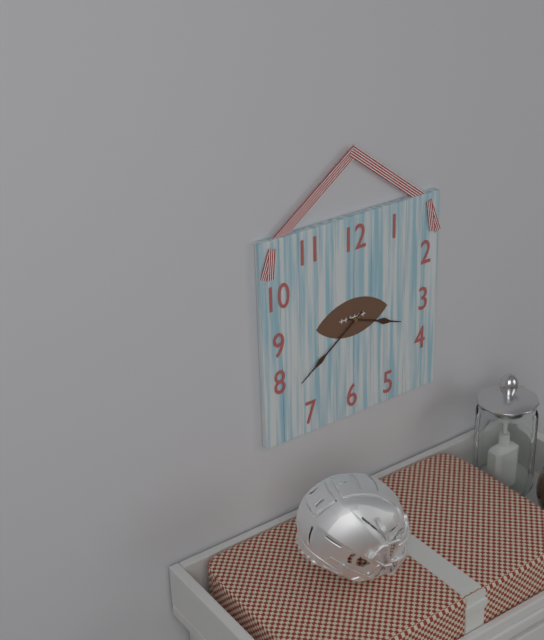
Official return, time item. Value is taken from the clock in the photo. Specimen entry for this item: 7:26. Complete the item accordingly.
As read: 3:39
